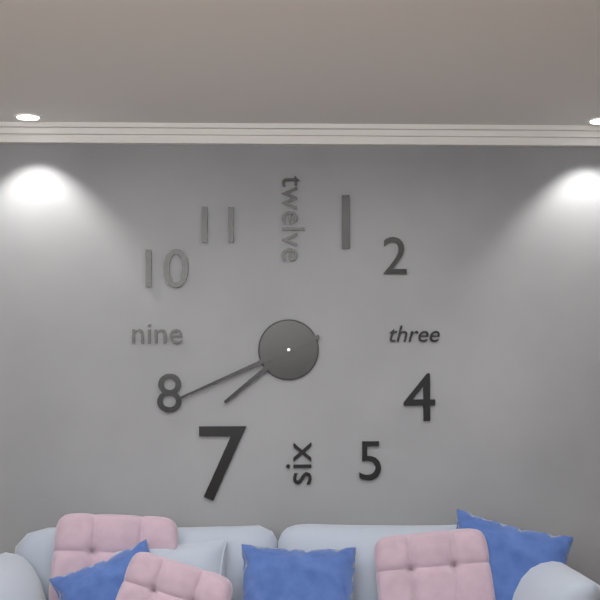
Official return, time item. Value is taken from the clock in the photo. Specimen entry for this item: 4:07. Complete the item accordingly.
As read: 7:41
